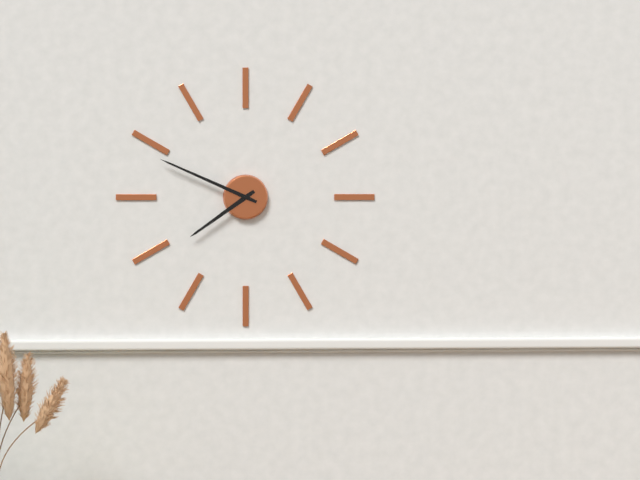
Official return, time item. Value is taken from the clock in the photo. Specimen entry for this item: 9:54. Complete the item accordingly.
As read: 7:49
